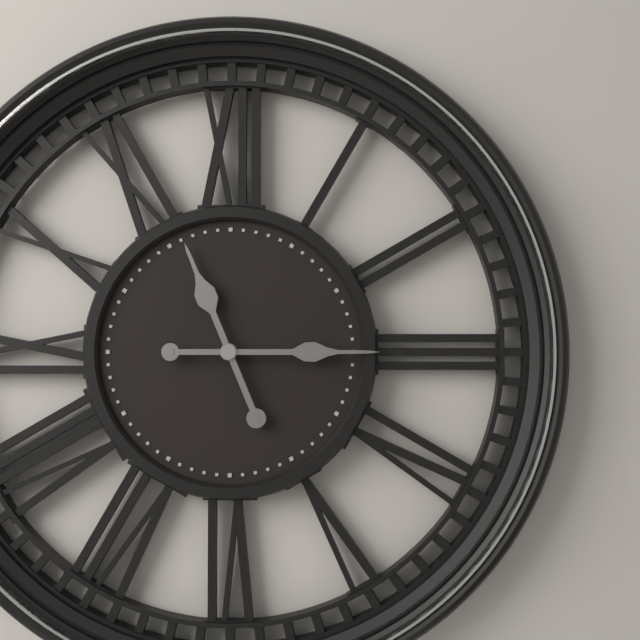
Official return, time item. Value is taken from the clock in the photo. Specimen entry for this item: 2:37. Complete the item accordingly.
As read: 11:15
